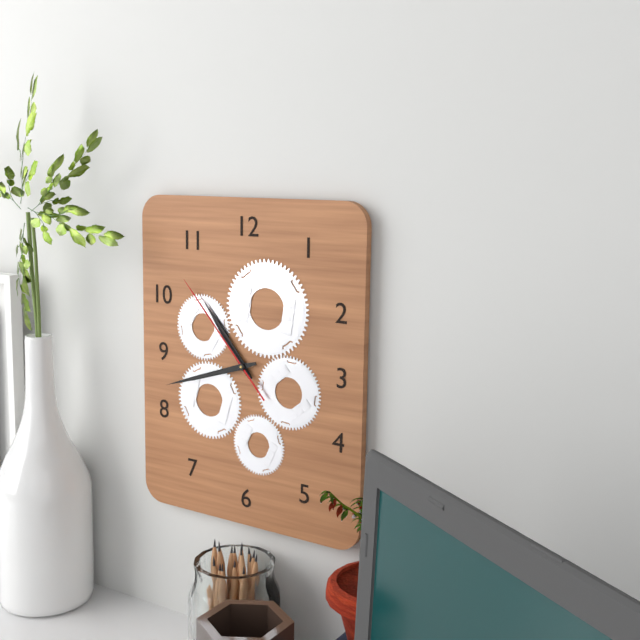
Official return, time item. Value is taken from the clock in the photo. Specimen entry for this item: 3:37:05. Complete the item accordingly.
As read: 10:42:53
